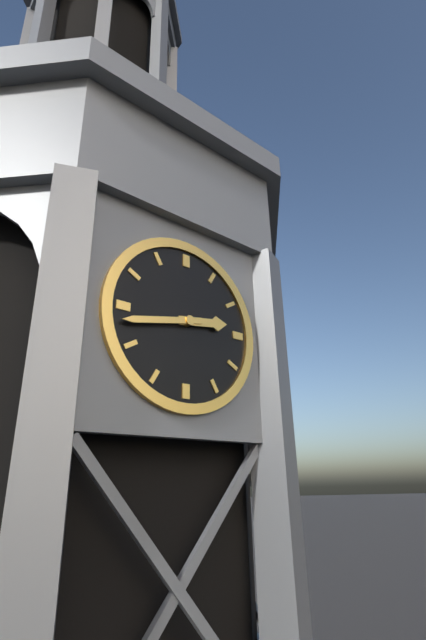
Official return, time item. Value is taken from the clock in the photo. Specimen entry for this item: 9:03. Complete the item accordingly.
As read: 2:43
